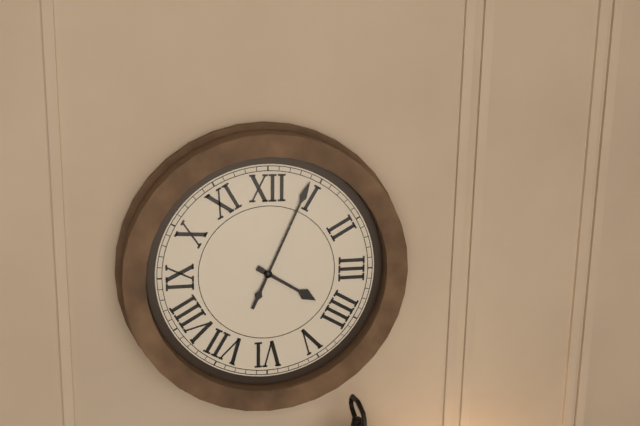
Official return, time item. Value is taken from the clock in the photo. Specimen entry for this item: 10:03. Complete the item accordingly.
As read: 4:04
